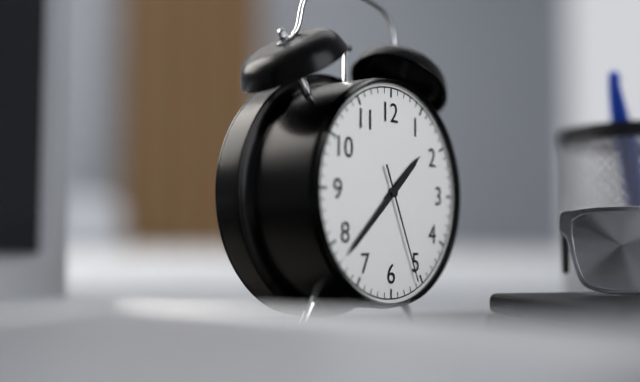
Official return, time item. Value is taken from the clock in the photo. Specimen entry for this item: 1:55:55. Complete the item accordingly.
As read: 1:38:26
